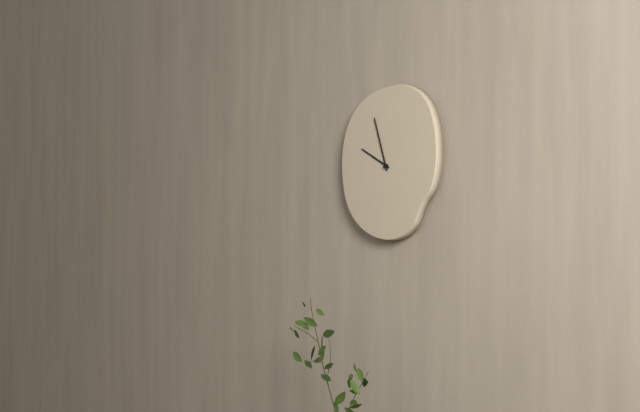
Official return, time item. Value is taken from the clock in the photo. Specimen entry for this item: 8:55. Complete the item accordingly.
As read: 9:57
